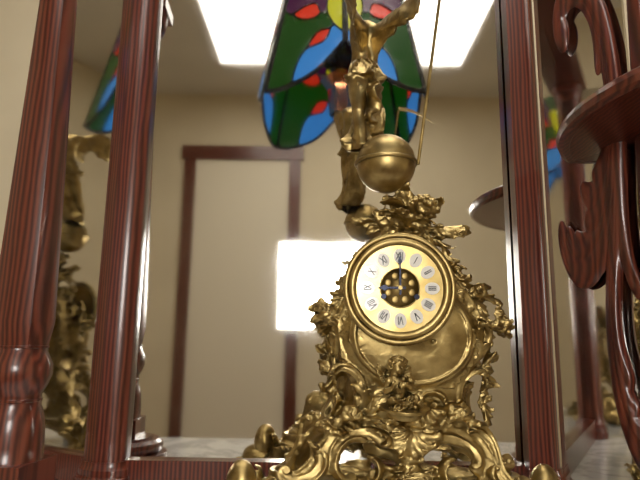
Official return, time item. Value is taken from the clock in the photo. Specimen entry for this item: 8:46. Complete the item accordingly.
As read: 9:00
